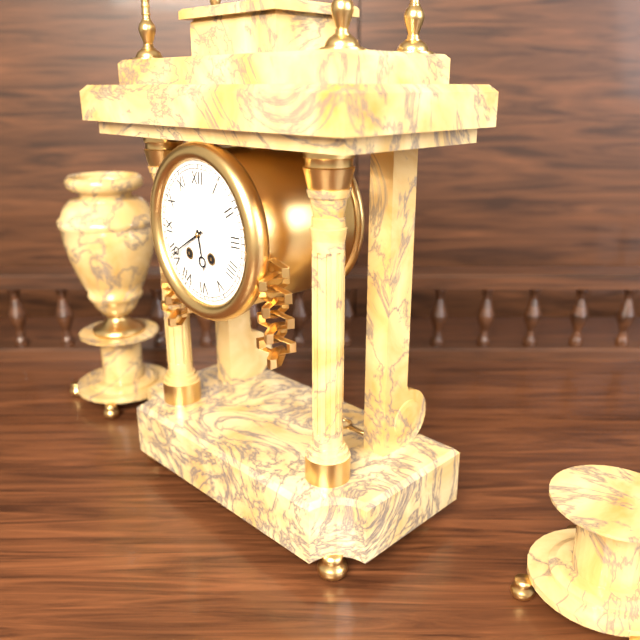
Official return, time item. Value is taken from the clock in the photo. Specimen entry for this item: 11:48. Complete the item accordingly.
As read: 5:40
